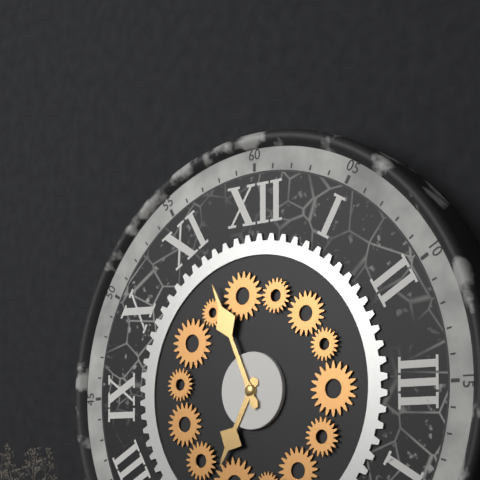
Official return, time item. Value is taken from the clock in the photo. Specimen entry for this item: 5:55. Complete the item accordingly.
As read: 6:56
